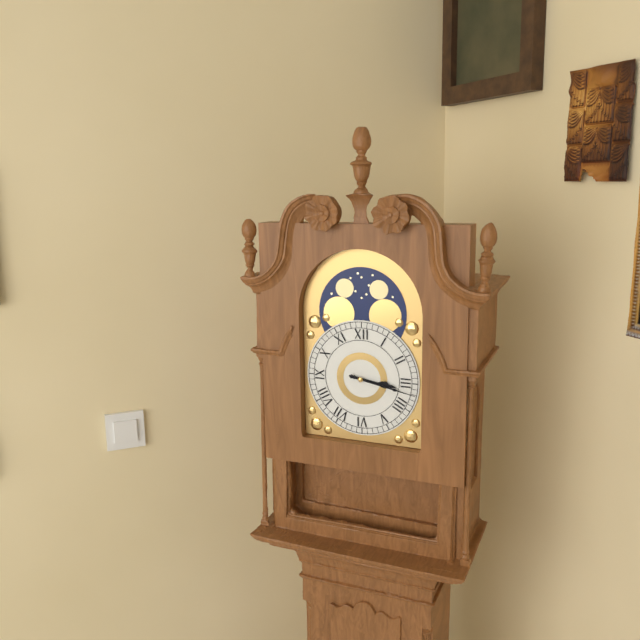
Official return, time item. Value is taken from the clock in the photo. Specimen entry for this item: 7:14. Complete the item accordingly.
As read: 3:17
